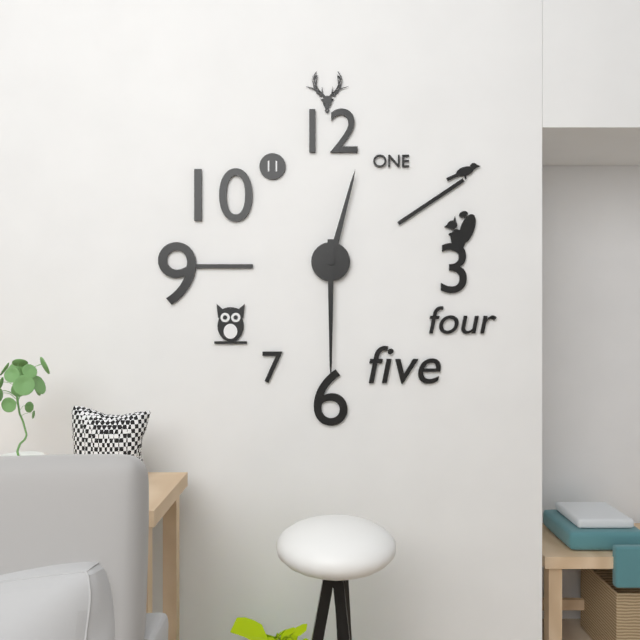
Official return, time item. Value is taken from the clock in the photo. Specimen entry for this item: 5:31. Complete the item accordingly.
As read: 12:30
